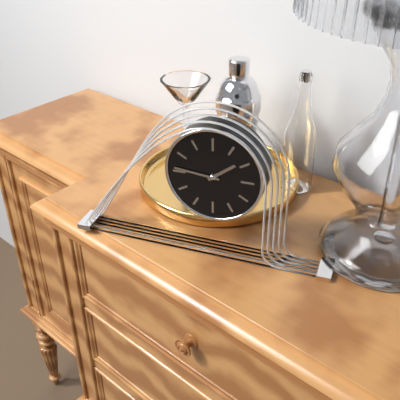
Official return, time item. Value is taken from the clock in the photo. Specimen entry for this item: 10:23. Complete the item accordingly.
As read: 1:46
